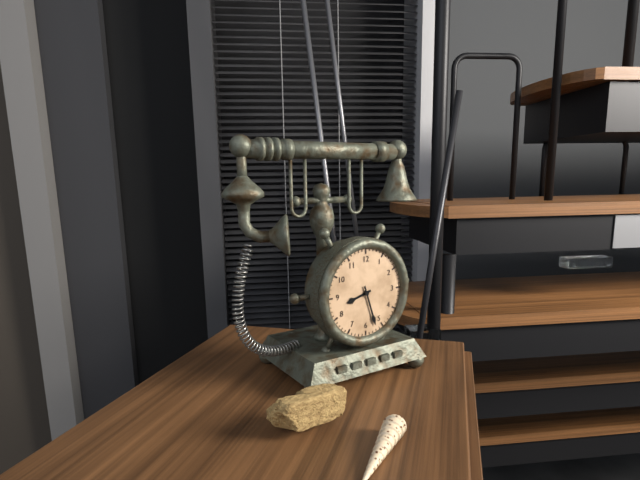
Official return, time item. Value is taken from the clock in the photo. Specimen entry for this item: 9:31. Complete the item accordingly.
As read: 8:27
